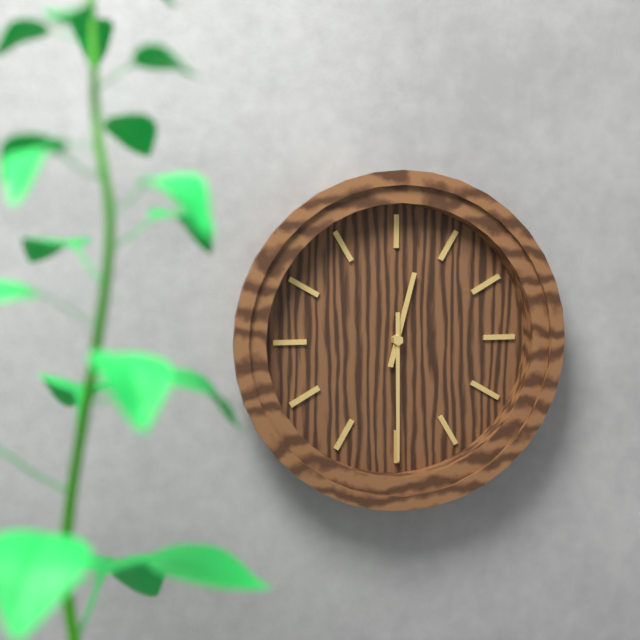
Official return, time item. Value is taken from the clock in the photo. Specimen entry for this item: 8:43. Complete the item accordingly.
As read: 12:30
